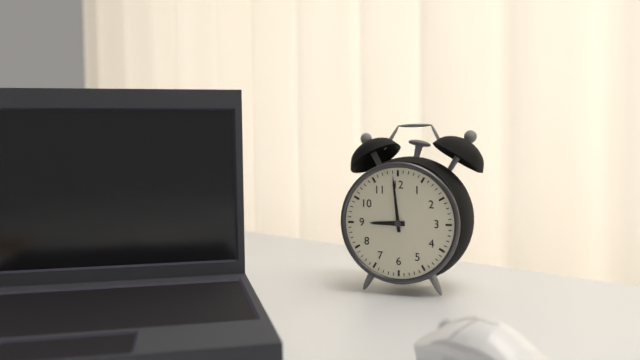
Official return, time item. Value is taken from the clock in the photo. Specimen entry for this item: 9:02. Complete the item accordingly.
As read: 8:59
